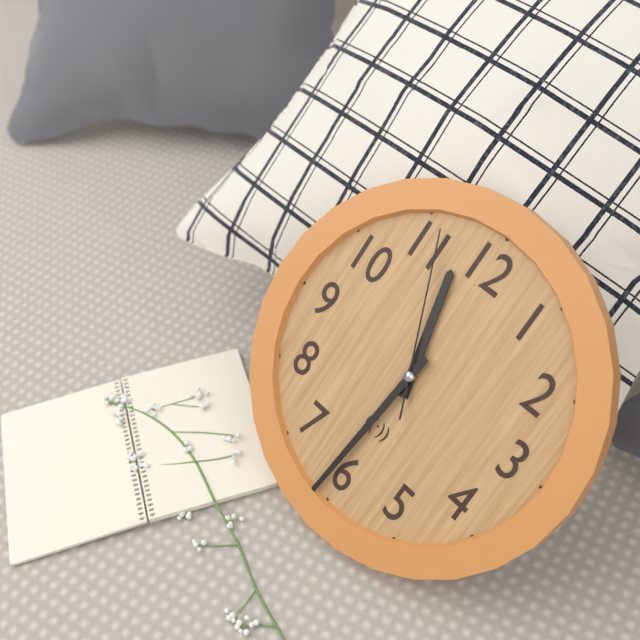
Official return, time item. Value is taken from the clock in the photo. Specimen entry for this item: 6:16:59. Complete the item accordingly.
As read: 11:31:56
